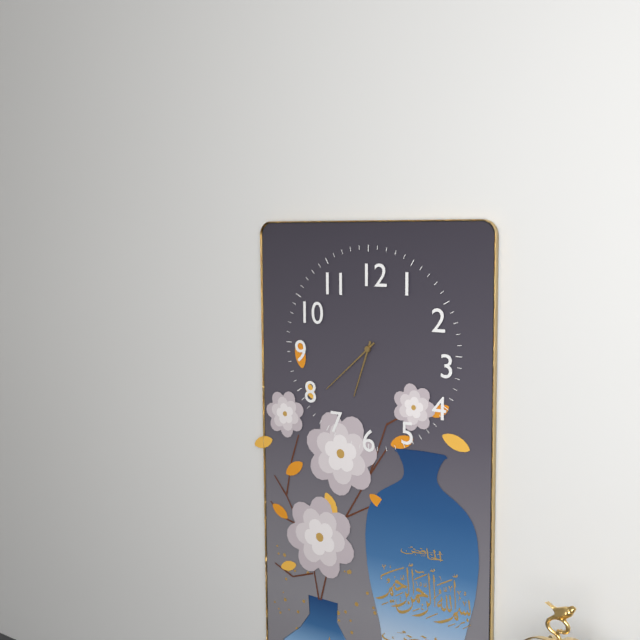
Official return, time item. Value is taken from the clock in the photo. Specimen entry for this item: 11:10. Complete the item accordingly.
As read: 6:38
